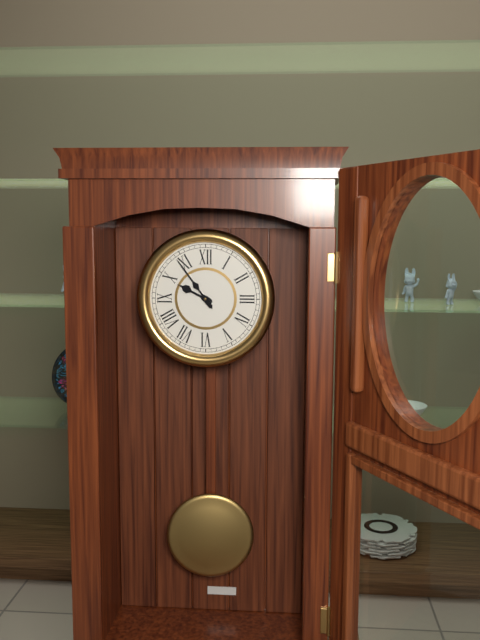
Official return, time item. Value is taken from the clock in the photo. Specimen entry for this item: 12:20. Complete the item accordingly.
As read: 9:54
